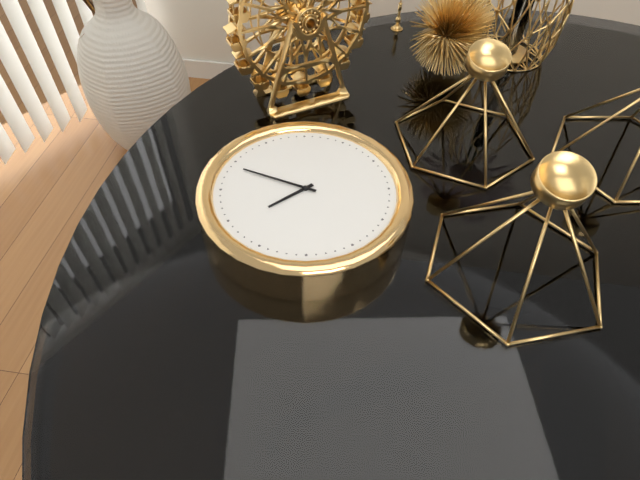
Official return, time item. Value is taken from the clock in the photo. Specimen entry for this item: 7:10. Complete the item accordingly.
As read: 7:49
